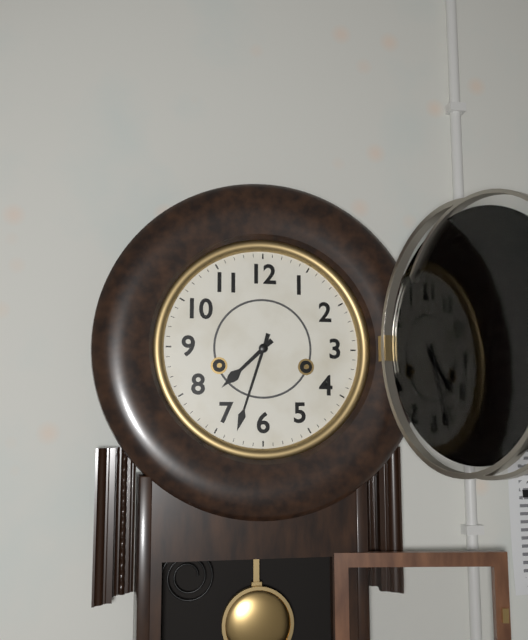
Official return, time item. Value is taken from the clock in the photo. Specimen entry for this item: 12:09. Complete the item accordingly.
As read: 7:33
